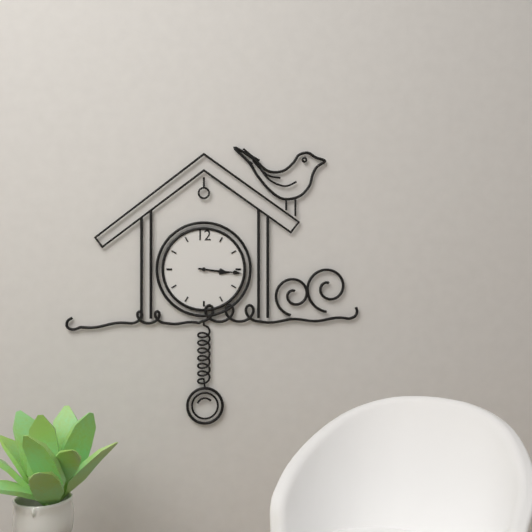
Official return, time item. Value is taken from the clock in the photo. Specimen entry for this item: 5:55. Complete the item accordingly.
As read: 3:16
